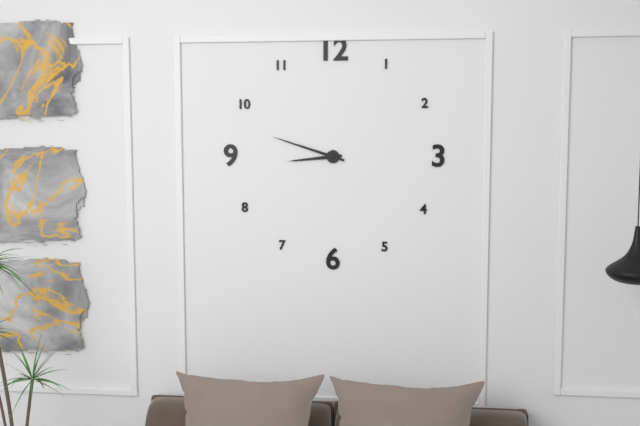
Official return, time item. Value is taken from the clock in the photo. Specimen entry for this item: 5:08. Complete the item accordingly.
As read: 8:48
